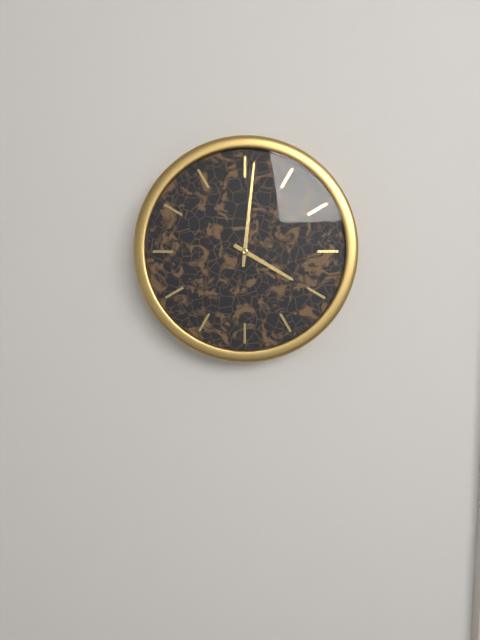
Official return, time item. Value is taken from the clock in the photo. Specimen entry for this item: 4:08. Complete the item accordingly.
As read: 4:01
